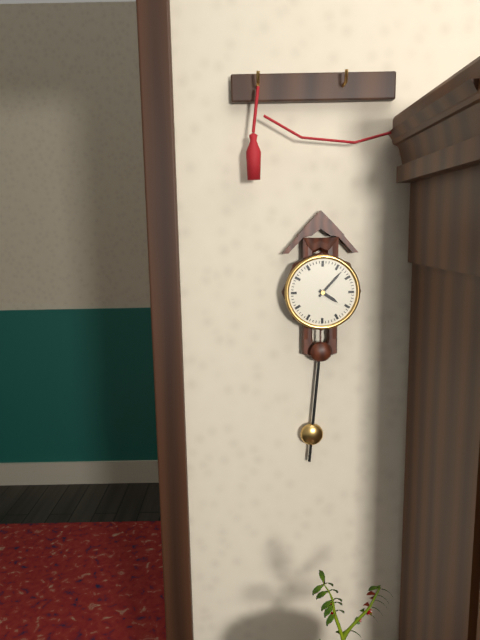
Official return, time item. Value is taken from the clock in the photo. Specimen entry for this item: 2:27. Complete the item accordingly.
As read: 4:07
